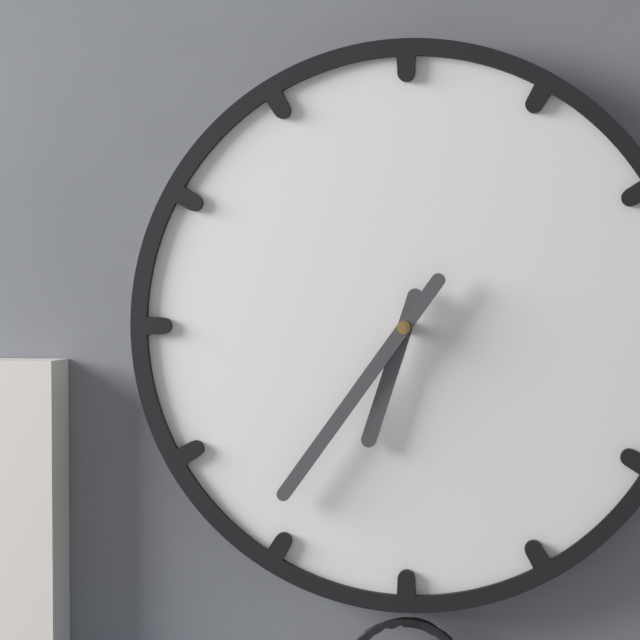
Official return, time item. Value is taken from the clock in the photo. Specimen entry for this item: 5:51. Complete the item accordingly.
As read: 6:36
